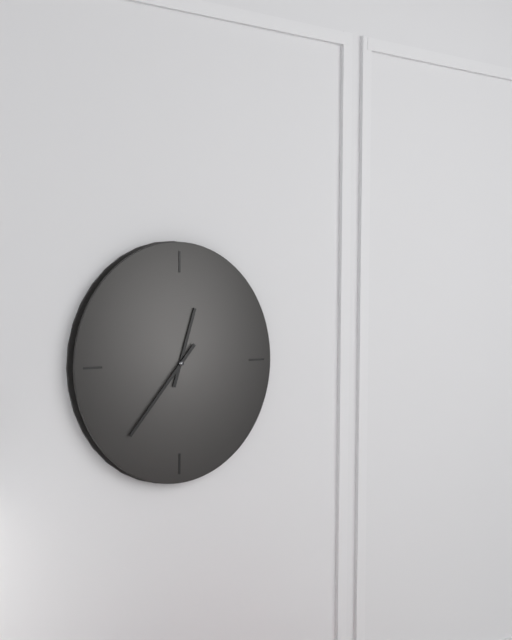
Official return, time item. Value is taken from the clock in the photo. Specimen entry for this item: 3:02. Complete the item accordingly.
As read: 12:37
